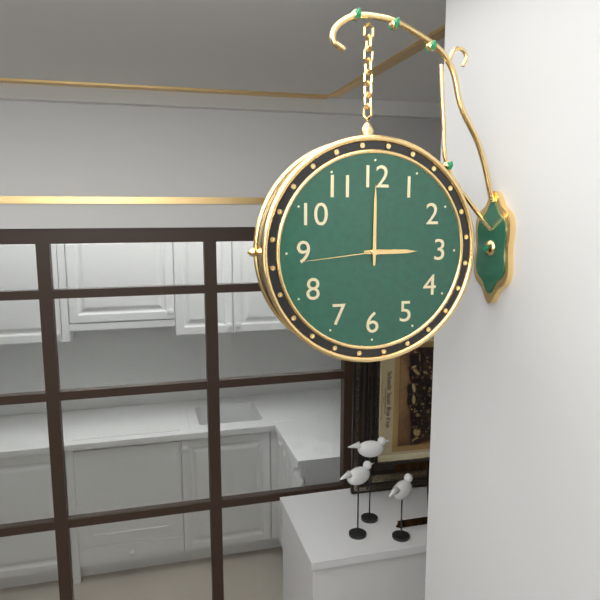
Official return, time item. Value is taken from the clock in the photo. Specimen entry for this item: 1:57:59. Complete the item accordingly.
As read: 3:00:44
